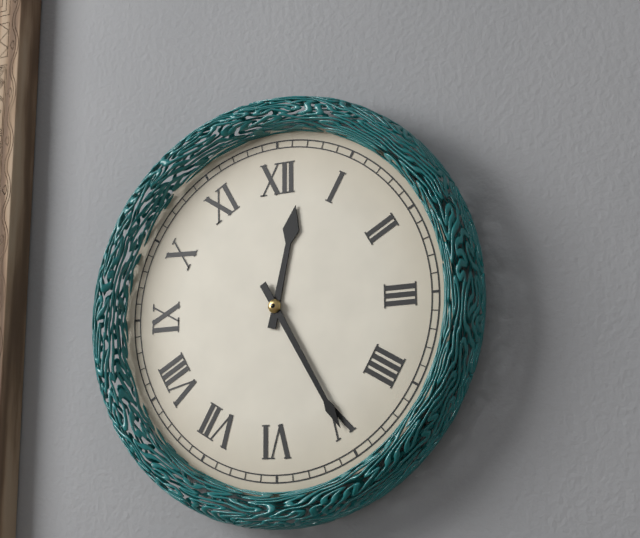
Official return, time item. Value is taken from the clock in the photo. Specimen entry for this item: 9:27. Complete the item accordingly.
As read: 12:25
